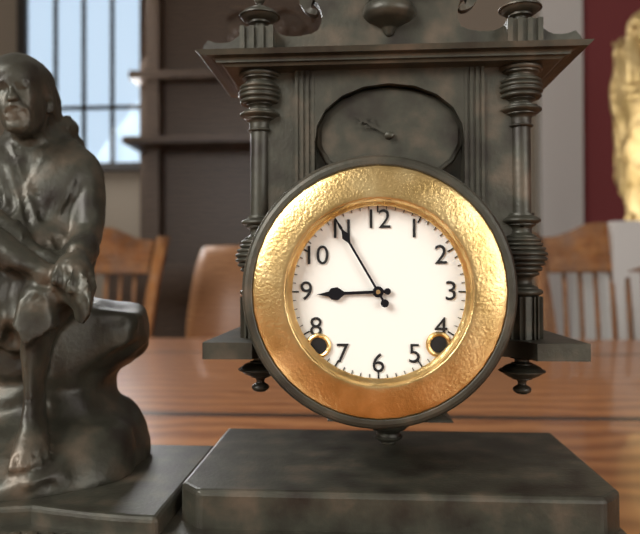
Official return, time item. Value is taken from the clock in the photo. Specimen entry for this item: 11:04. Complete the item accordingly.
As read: 8:55
